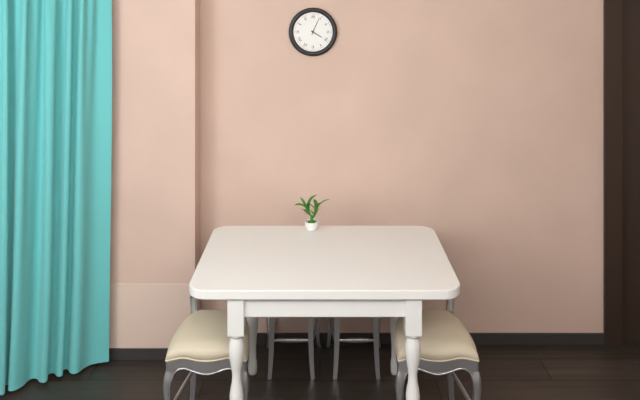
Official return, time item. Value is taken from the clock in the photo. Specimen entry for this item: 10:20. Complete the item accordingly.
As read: 4:04
